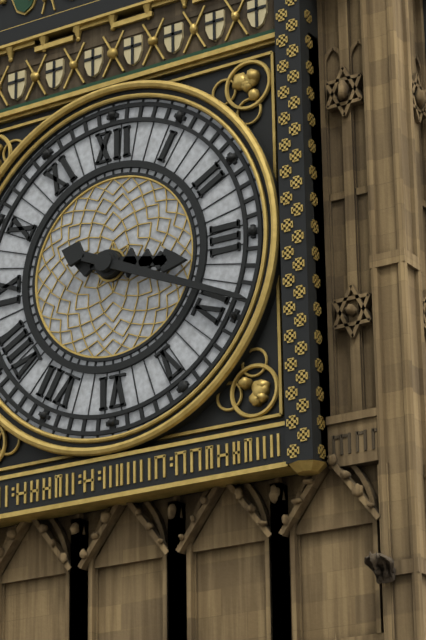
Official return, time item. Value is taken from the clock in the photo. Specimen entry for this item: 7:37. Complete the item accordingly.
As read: 3:19
